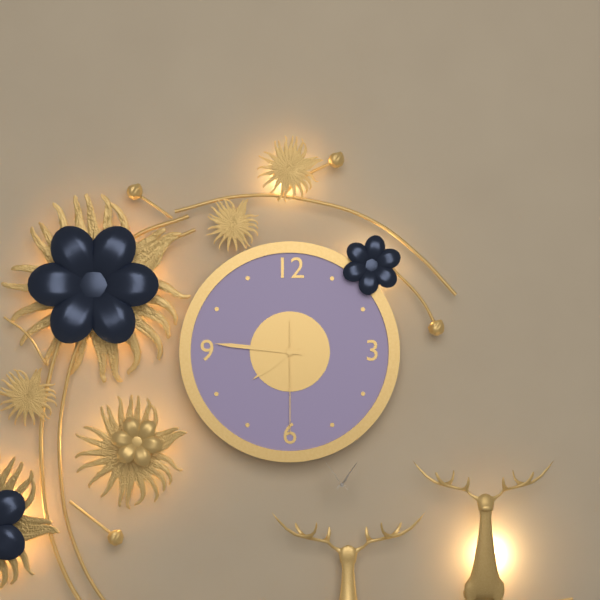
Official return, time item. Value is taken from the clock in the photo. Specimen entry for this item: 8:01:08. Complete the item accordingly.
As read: 7:46:30
